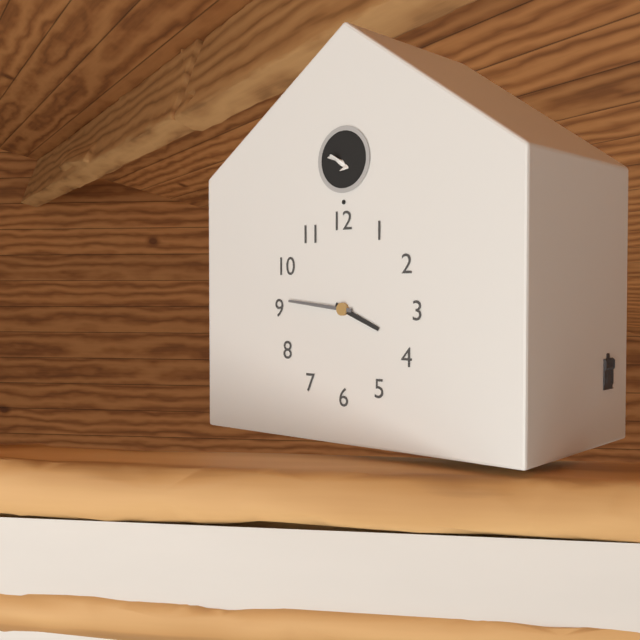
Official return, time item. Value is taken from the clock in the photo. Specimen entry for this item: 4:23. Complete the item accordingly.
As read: 3:46
